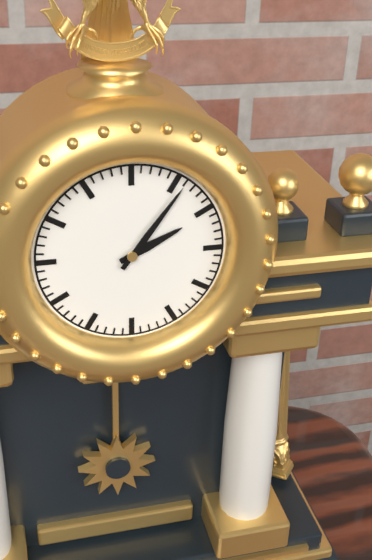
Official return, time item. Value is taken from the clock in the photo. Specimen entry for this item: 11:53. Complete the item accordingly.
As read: 2:06
